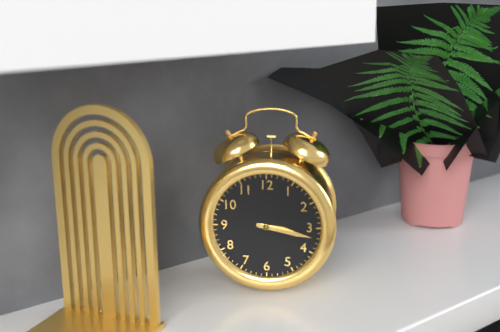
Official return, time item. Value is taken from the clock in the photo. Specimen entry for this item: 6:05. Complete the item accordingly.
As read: 3:17
